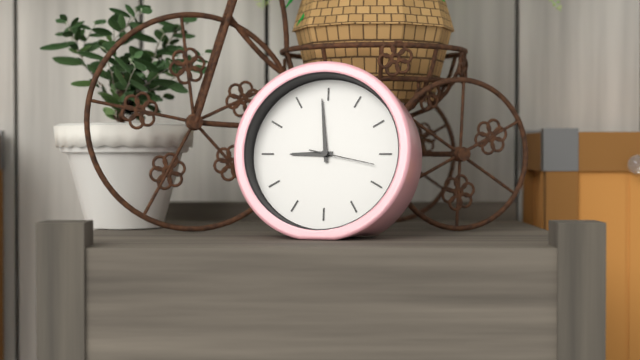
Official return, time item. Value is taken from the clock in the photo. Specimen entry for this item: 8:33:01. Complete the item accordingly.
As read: 8:59:17
